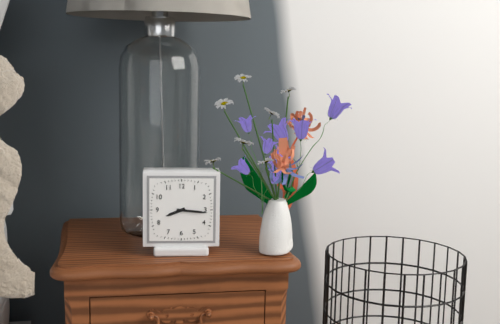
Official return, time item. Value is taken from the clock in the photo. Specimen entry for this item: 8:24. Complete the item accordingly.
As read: 8:16
